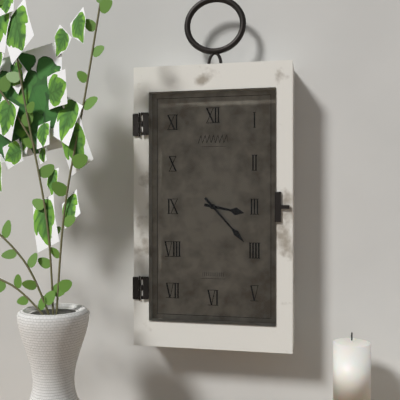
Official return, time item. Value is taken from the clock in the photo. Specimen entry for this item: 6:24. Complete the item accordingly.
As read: 3:23
